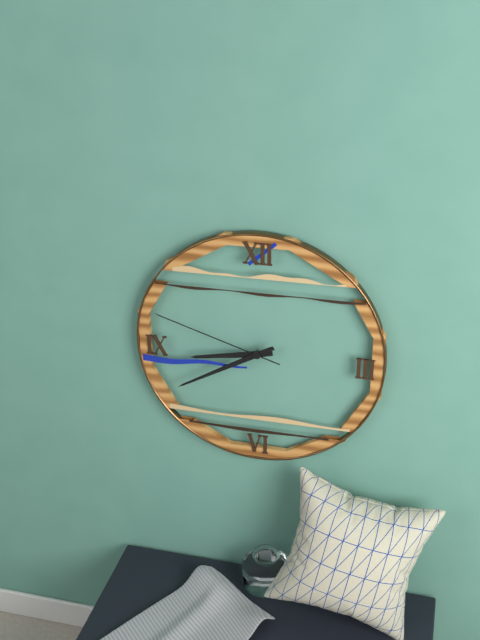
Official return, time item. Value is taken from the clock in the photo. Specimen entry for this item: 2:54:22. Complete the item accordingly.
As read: 8:40:48
